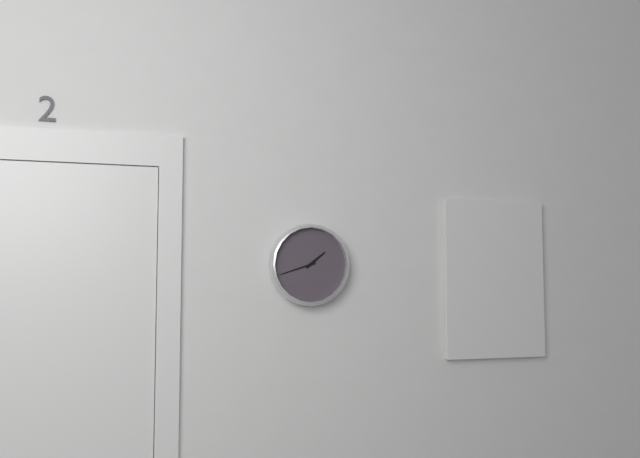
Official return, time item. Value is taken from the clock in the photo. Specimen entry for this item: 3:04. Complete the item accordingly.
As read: 1:42
